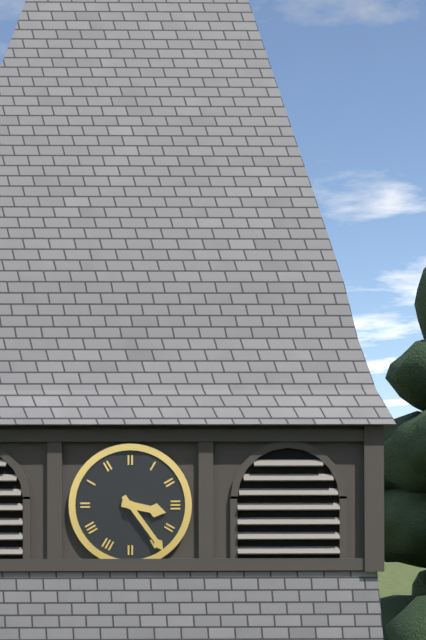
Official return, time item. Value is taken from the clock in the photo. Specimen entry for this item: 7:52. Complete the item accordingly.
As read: 3:24
